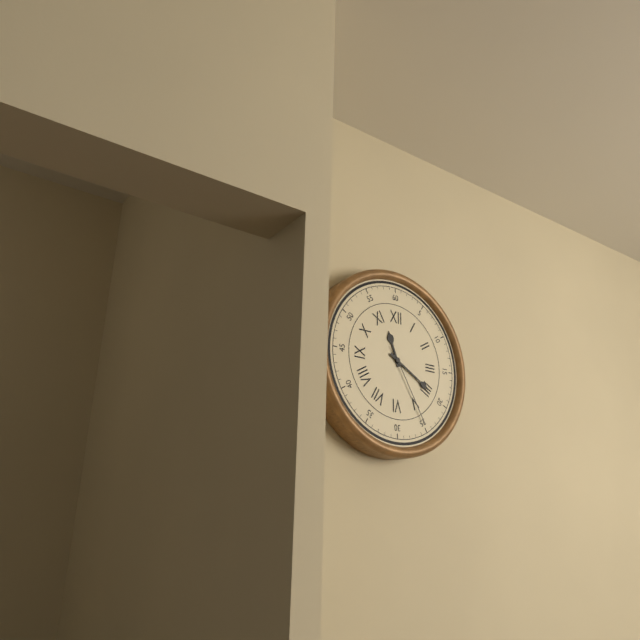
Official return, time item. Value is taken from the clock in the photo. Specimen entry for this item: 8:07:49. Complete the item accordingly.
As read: 11:20:25
